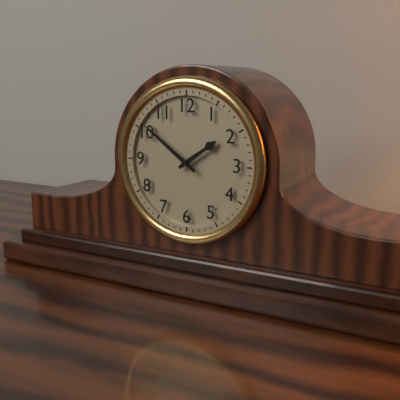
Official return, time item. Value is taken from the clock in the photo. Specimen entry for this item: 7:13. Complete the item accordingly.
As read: 1:51
